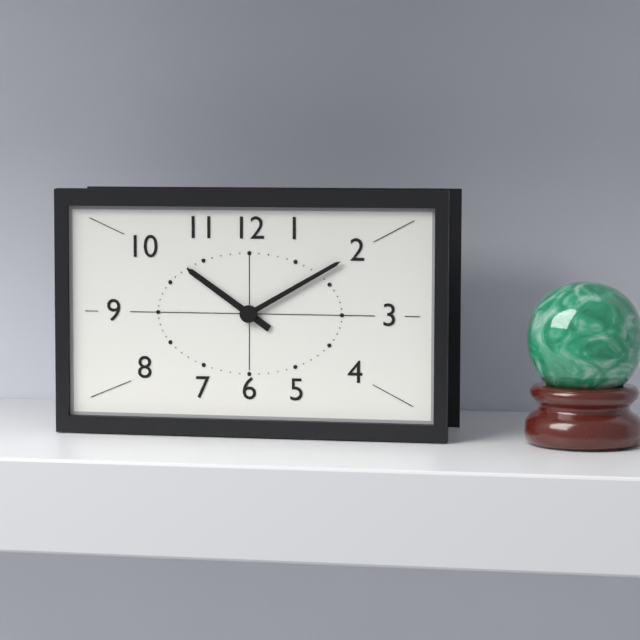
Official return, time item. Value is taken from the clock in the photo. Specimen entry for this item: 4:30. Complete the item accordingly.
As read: 10:10
